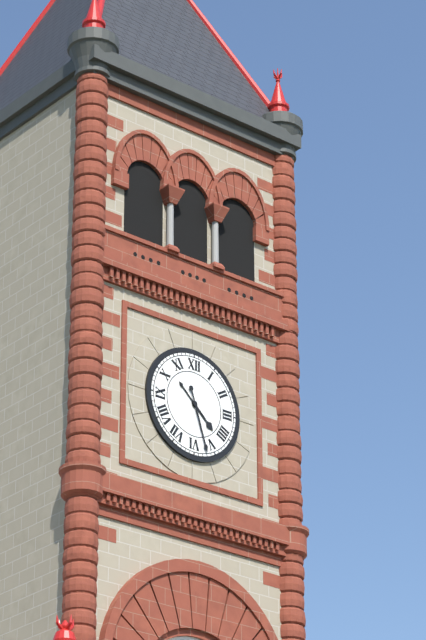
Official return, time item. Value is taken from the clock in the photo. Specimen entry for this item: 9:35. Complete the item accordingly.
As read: 4:27
